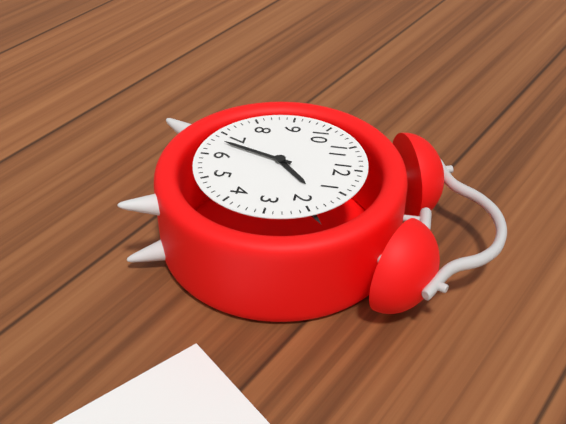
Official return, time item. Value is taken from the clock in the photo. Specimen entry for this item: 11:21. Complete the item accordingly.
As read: 1:33
